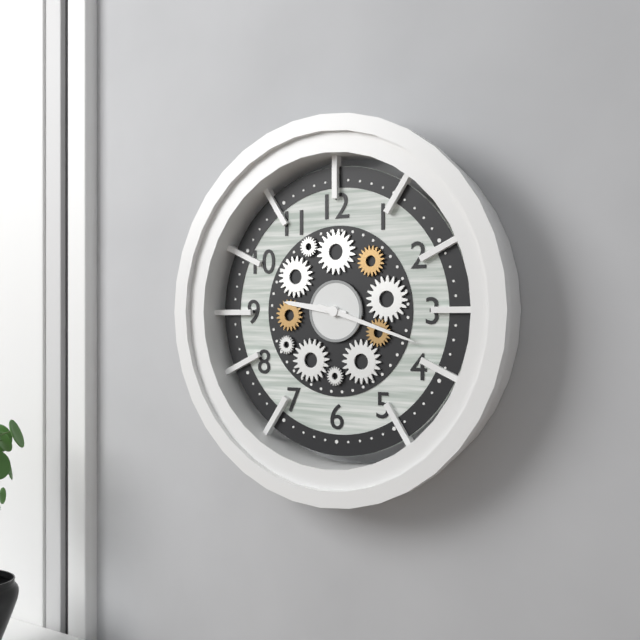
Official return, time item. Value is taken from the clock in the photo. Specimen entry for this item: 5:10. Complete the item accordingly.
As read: 9:18
